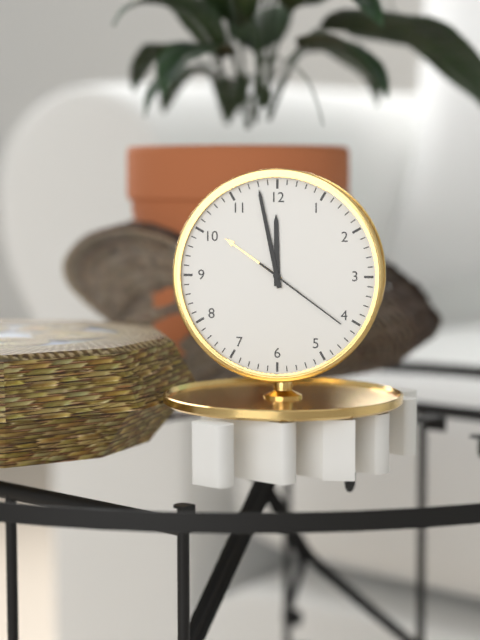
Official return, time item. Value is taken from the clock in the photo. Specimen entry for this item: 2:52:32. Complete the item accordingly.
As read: 11:58:21
